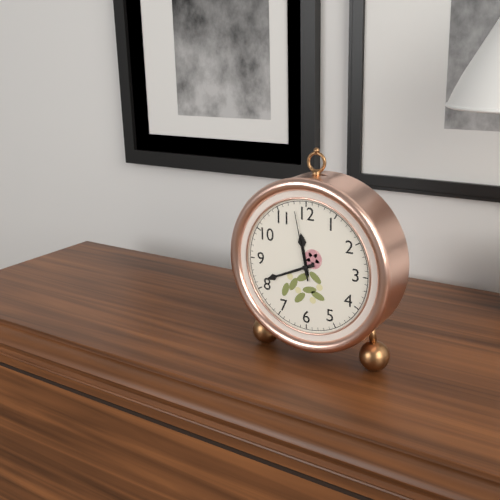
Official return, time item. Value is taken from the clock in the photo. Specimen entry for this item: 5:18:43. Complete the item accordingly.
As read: 11:41:58
